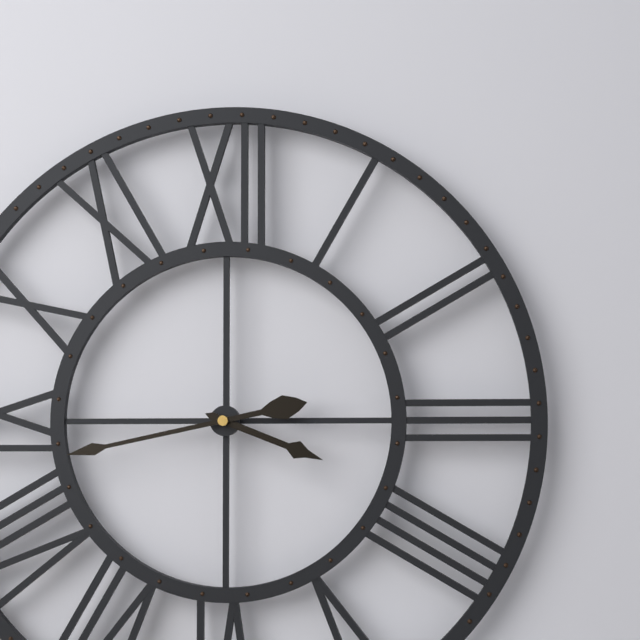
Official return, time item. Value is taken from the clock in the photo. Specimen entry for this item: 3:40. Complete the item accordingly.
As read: 3:43
